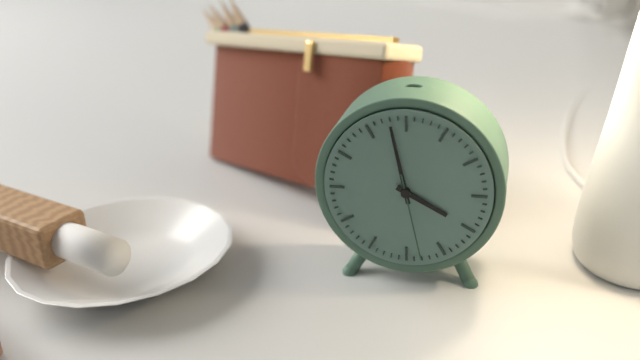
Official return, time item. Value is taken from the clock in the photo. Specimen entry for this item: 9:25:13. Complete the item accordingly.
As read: 3:58:28
